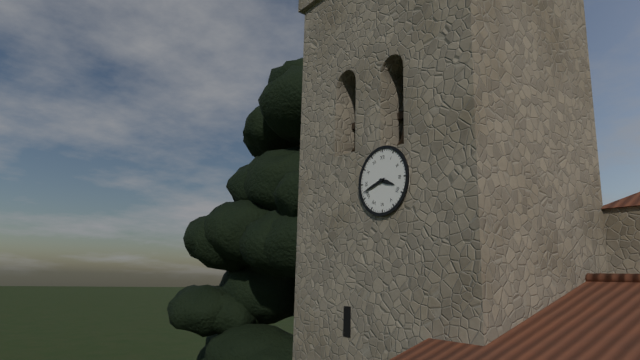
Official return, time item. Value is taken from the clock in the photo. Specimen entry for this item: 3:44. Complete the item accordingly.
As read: 3:42
